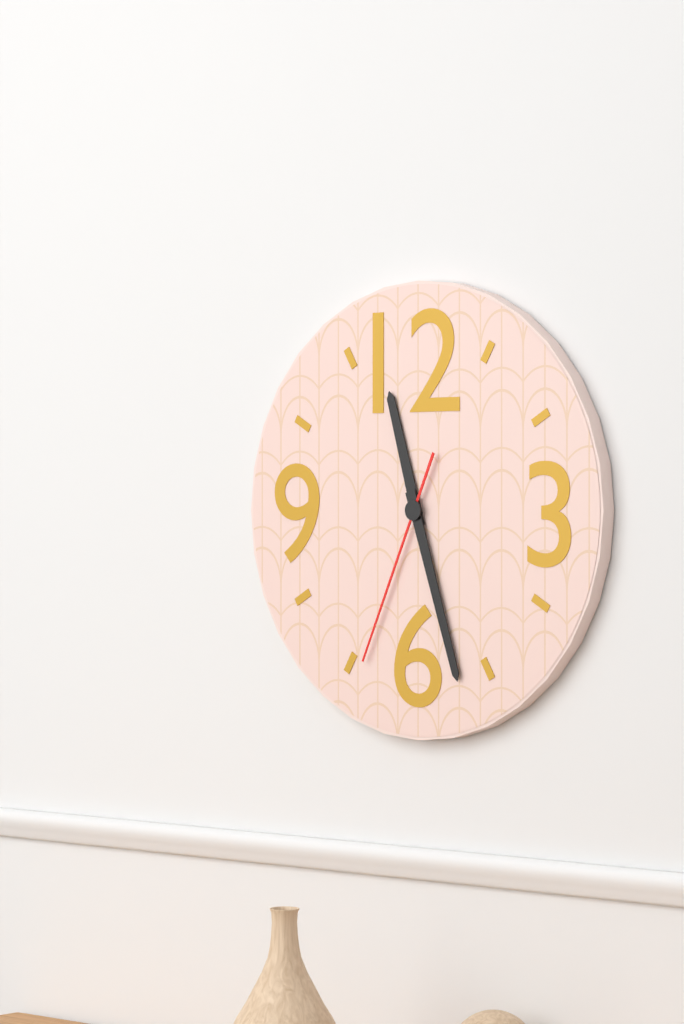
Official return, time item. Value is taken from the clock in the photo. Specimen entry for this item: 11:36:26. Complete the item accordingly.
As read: 11:27:34
